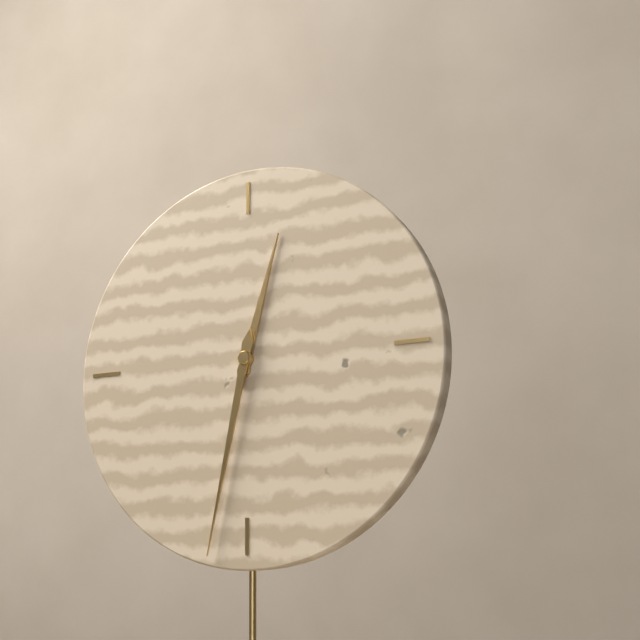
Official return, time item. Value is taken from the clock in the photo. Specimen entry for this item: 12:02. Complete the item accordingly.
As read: 12:32
